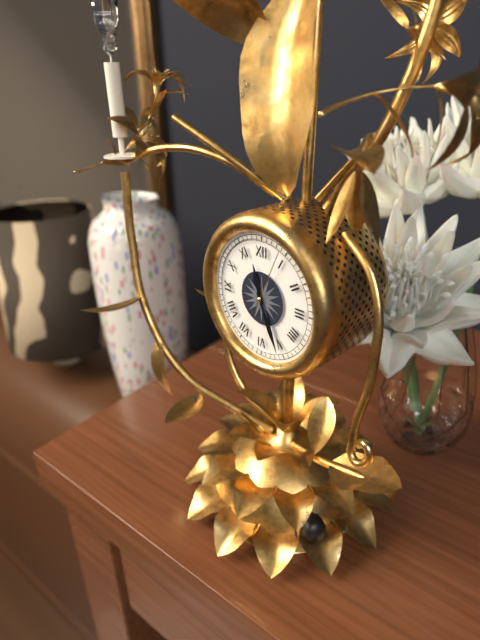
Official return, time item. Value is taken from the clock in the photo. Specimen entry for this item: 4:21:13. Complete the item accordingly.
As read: 11:26:04
